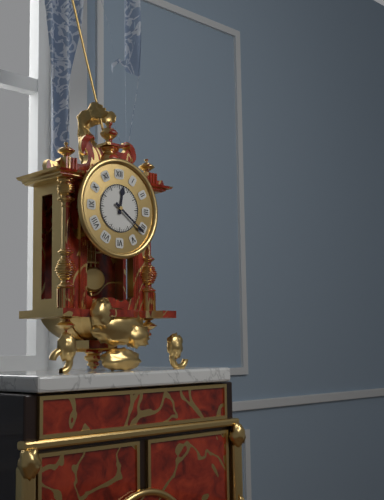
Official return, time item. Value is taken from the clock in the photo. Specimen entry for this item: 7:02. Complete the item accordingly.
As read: 12:21
